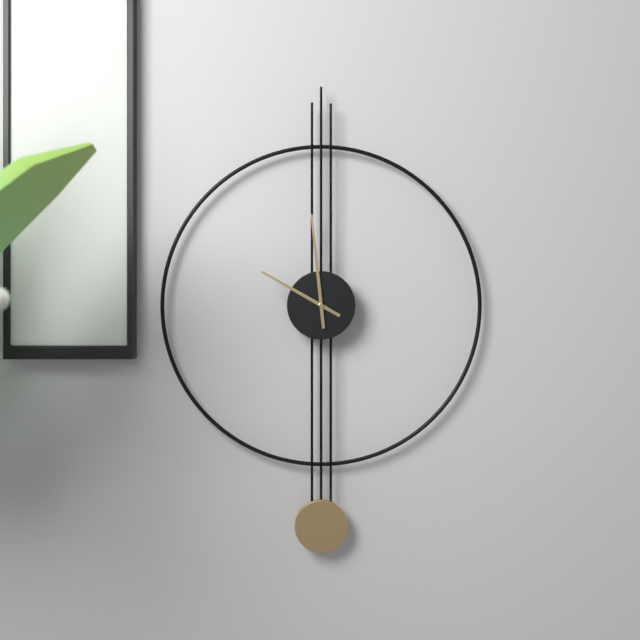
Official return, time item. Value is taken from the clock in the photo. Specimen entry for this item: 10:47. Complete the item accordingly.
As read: 9:59
